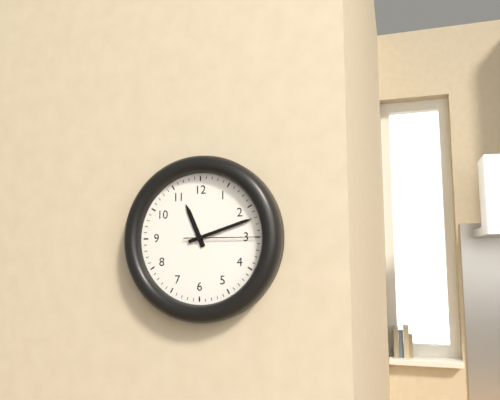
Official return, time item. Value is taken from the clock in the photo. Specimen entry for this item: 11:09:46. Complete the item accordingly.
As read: 11:12:15
